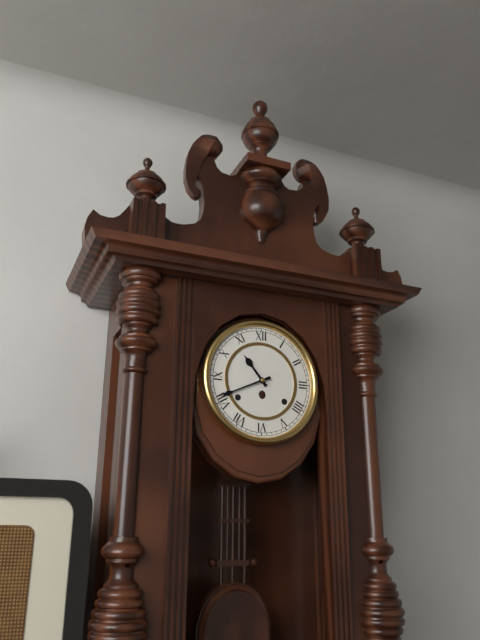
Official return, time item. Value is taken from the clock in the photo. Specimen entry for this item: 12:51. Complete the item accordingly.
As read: 10:41
